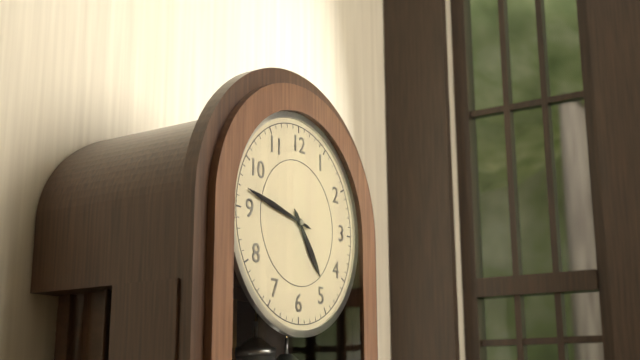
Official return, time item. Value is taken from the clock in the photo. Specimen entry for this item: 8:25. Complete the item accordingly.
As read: 4:47
